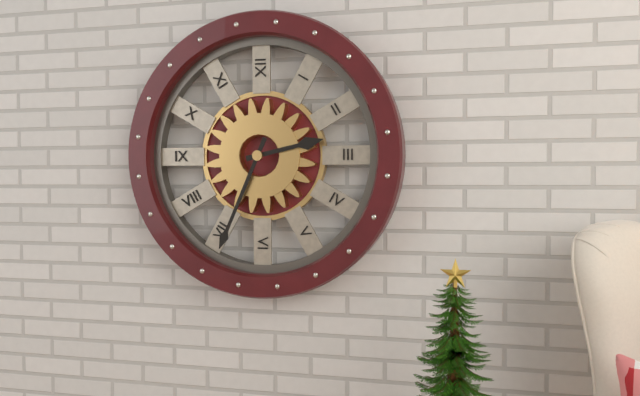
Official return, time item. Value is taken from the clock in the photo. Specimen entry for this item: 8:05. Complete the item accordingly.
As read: 2:34
